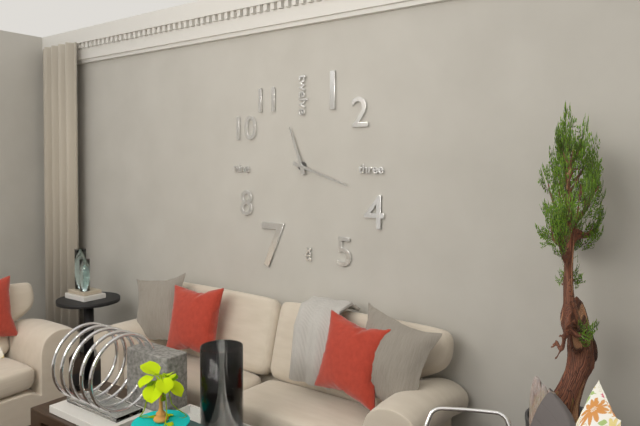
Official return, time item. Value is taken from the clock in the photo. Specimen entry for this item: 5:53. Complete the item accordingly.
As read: 11:18
